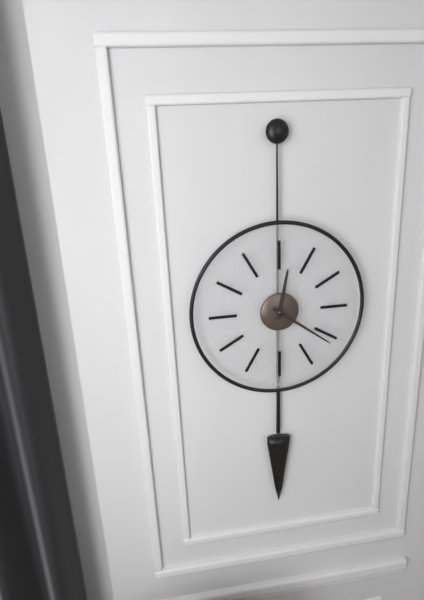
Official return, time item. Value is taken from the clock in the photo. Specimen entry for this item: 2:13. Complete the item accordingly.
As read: 12:21
